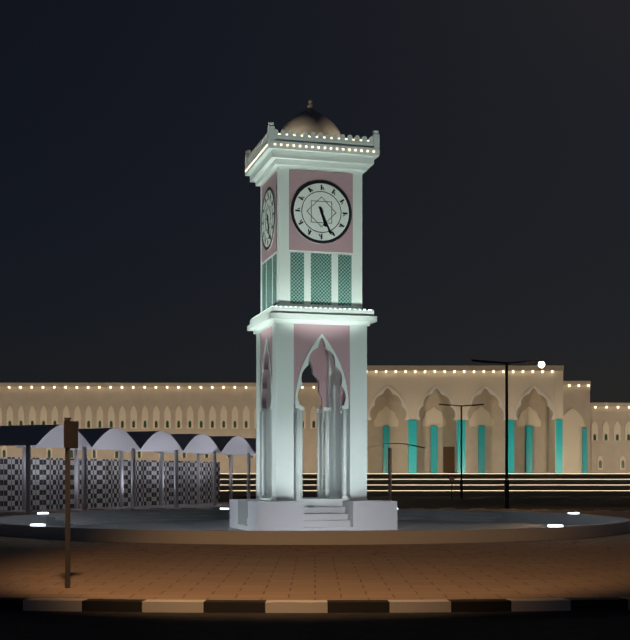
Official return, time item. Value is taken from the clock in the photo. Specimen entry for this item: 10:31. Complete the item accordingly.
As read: 5:26
